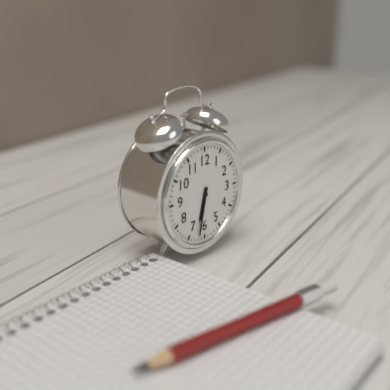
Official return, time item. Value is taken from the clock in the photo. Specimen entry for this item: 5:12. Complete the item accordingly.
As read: 6:32
